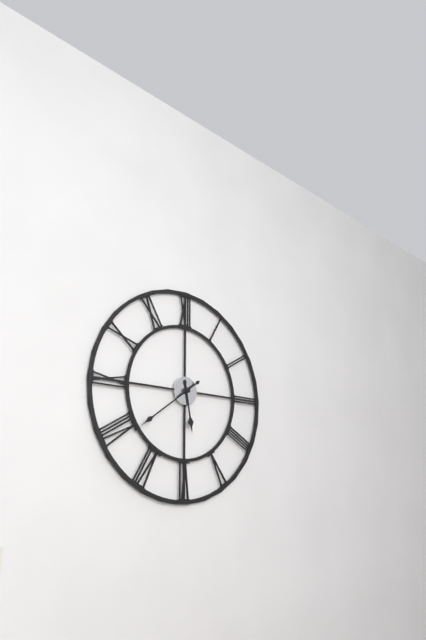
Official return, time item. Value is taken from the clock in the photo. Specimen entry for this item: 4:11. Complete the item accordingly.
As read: 5:39
